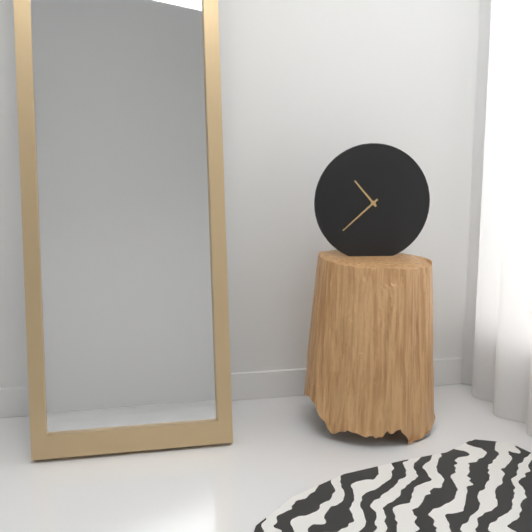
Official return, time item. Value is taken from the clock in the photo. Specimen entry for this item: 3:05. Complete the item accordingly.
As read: 10:38
